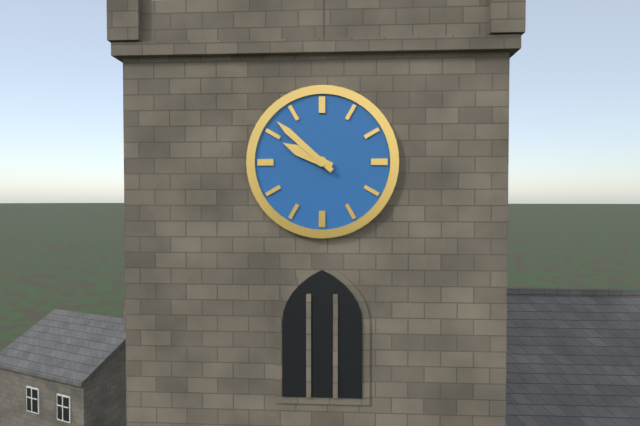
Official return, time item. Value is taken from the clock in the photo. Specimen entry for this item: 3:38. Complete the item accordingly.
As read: 9:52
